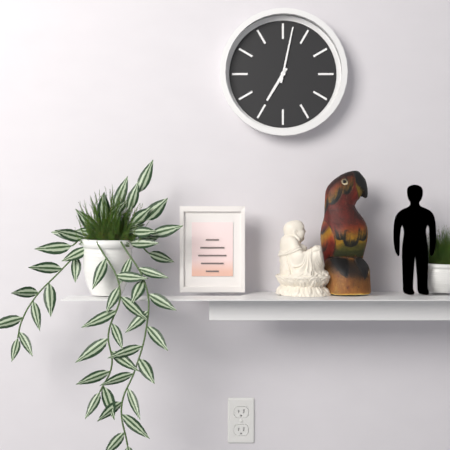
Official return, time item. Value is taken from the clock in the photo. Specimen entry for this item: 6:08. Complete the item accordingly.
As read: 7:02
